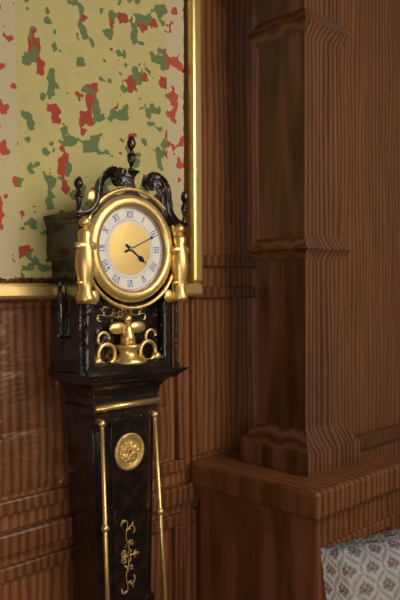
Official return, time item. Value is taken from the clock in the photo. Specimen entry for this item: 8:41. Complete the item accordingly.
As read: 4:11
